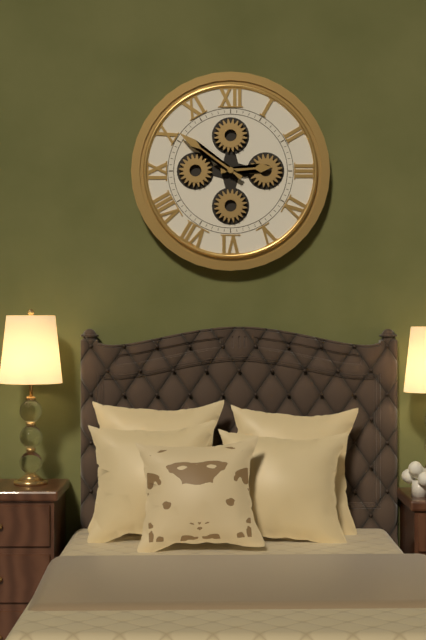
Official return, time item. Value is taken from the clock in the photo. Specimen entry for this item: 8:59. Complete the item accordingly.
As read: 2:51
